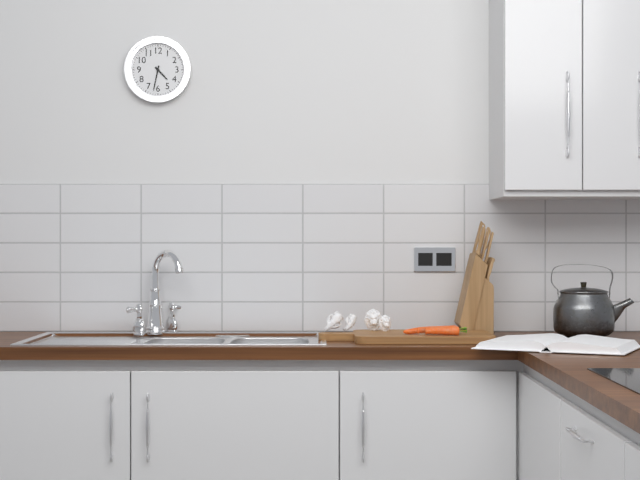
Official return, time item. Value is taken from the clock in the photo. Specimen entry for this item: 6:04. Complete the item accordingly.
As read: 4:32
